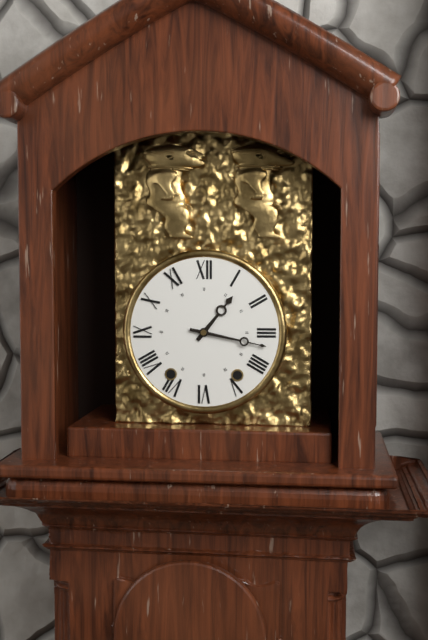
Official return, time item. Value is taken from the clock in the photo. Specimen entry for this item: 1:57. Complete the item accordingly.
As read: 1:17
